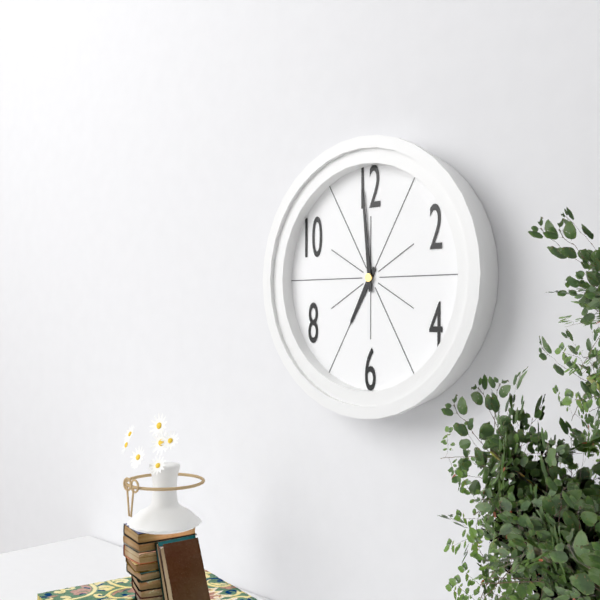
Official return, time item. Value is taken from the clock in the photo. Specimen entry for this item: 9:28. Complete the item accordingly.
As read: 6:59
